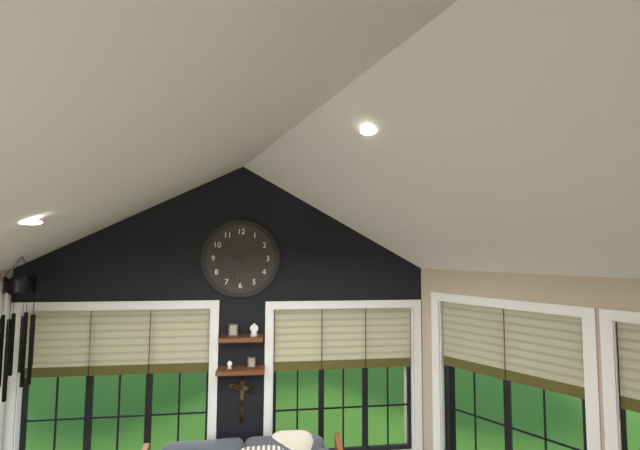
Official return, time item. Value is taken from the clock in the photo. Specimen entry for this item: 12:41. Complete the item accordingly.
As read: 9:33
